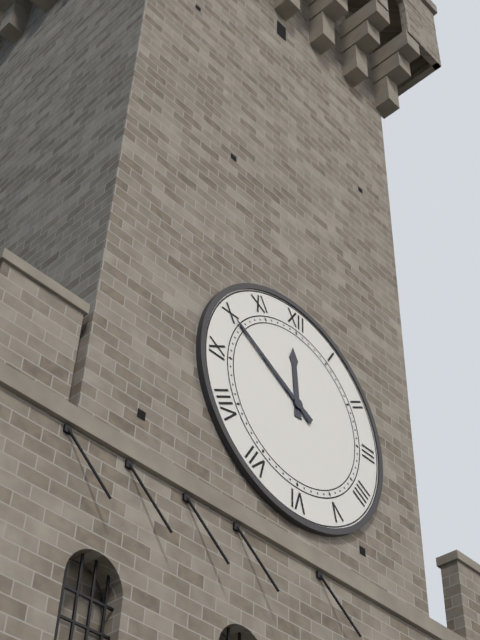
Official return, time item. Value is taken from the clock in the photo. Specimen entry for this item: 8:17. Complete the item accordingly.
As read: 11:50
